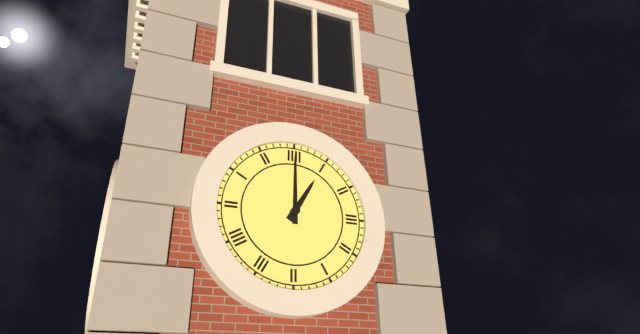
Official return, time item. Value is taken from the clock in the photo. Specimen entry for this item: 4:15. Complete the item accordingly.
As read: 1:00
